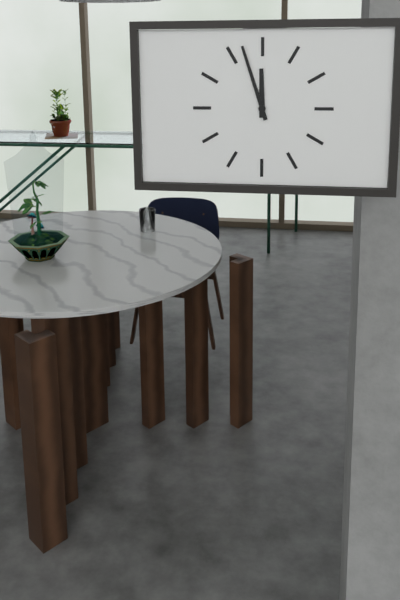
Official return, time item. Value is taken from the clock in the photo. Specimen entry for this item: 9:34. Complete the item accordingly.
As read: 11:57
